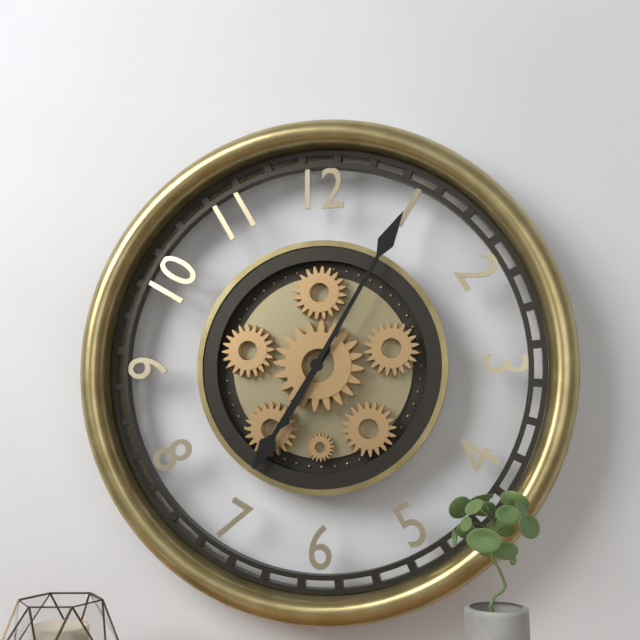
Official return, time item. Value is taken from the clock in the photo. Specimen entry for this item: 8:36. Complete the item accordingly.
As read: 7:05
